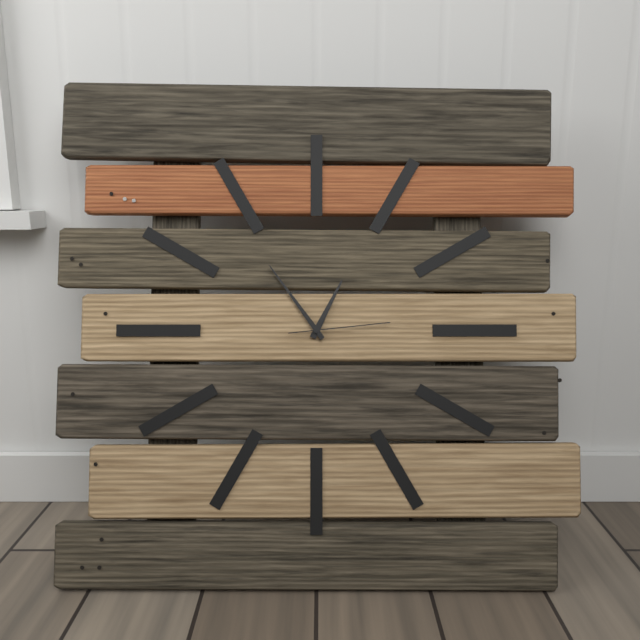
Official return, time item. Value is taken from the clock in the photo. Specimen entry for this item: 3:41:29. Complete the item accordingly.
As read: 12:54:14
